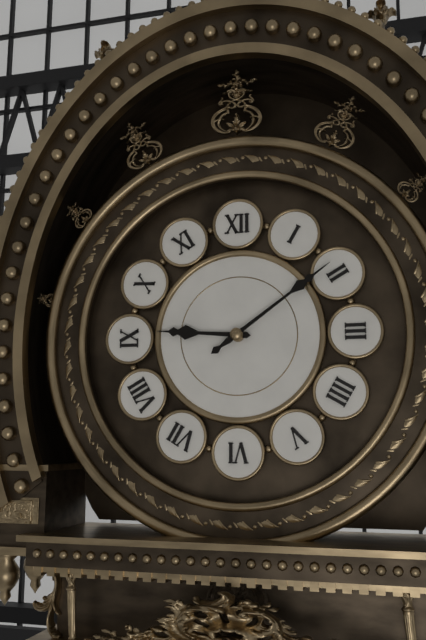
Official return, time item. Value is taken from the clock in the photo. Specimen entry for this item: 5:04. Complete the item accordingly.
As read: 9:09
